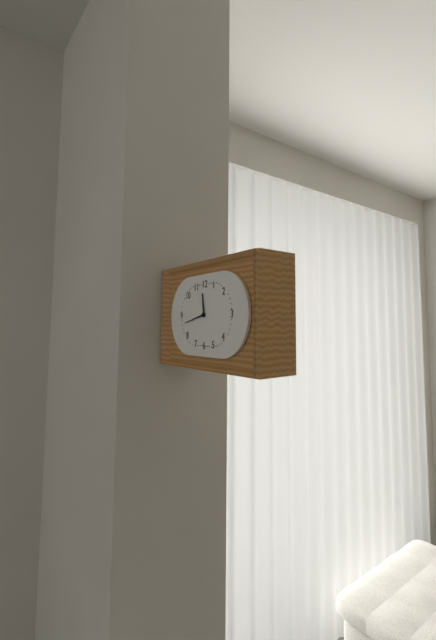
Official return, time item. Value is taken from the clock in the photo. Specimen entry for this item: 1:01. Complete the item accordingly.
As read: 11:43
